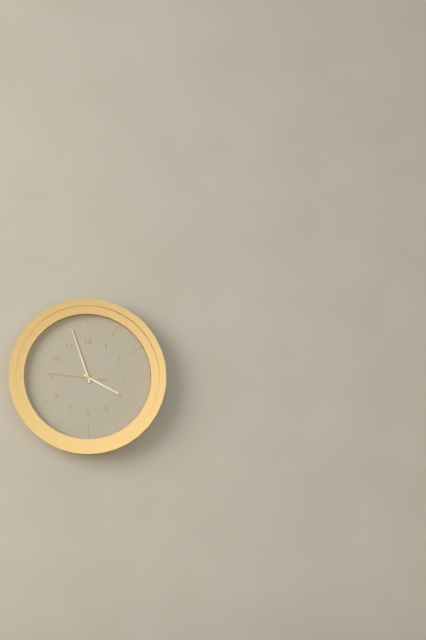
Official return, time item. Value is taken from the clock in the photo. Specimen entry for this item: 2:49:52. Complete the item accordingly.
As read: 3:57:46
